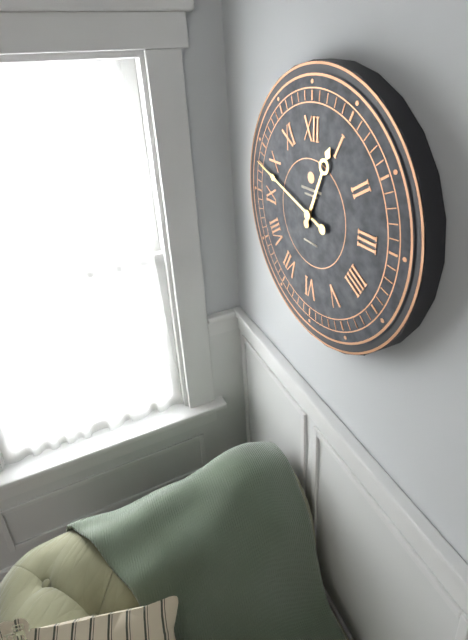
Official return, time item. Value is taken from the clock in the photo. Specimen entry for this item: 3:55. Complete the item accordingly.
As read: 12:48
